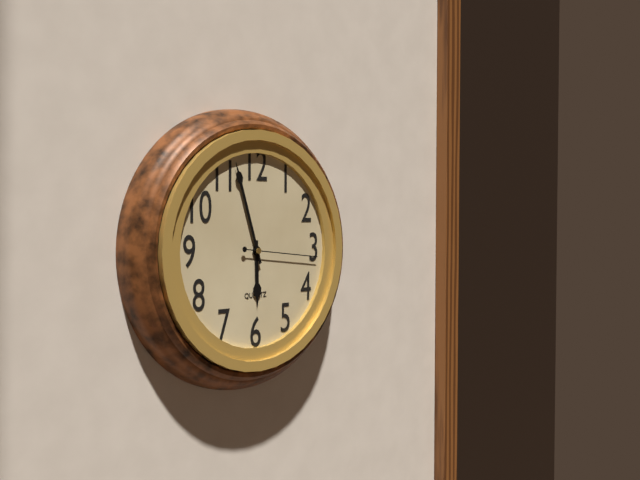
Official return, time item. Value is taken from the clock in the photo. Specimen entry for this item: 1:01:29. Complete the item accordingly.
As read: 5:57:16
